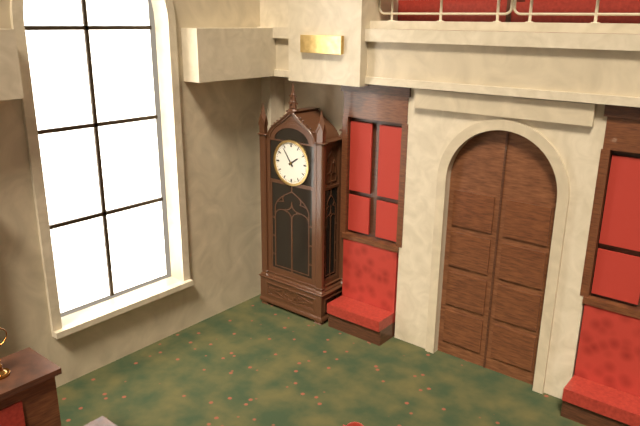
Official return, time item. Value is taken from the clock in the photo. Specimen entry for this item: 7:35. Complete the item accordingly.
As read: 1:54
